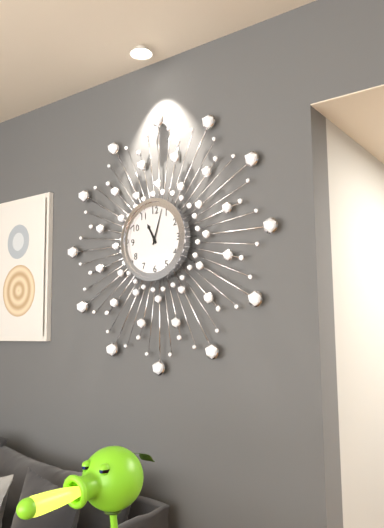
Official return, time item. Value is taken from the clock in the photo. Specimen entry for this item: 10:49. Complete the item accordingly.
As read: 11:03
